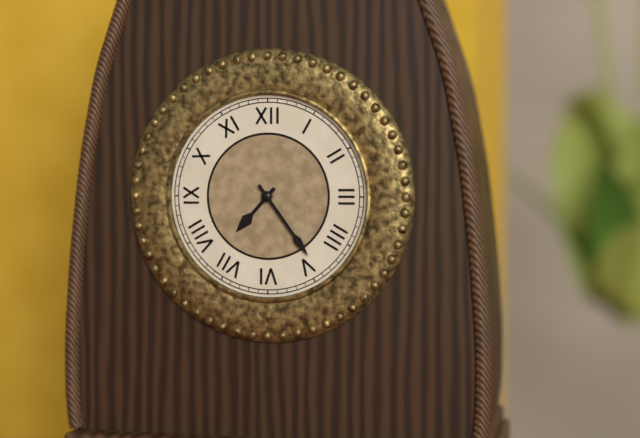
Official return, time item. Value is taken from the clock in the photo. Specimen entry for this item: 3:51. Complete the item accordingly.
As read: 7:24
